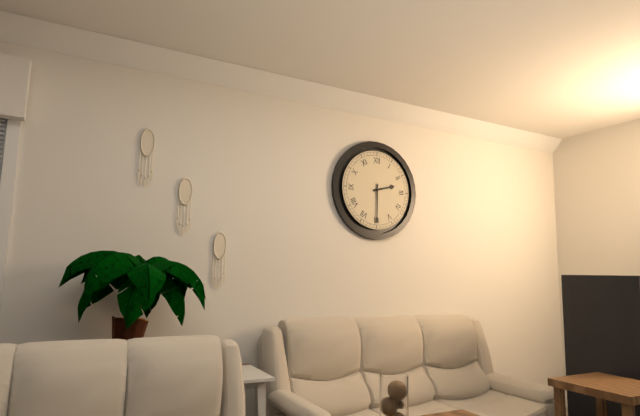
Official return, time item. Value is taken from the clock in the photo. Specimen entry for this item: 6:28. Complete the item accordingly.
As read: 2:30
